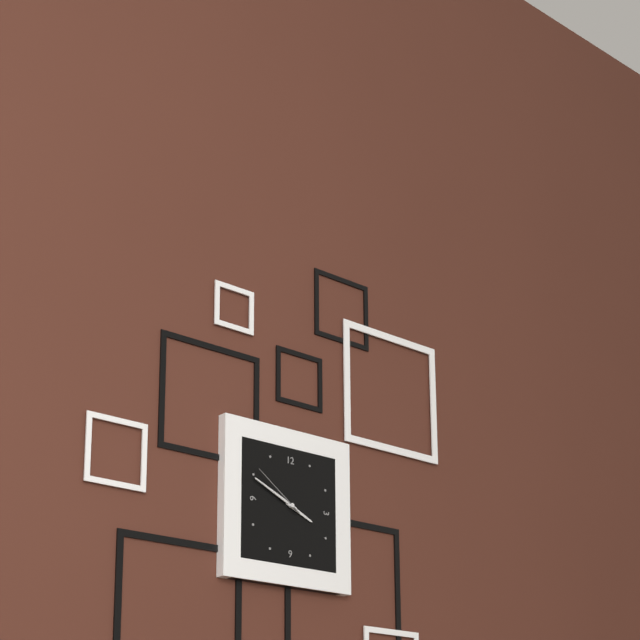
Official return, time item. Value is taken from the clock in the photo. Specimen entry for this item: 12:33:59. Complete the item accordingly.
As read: 3:49:51
